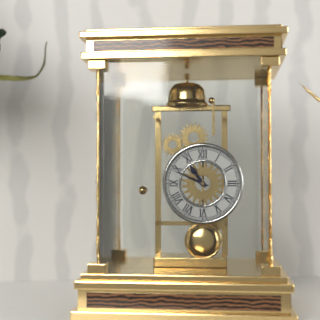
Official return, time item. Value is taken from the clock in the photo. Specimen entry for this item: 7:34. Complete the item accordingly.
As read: 10:49
